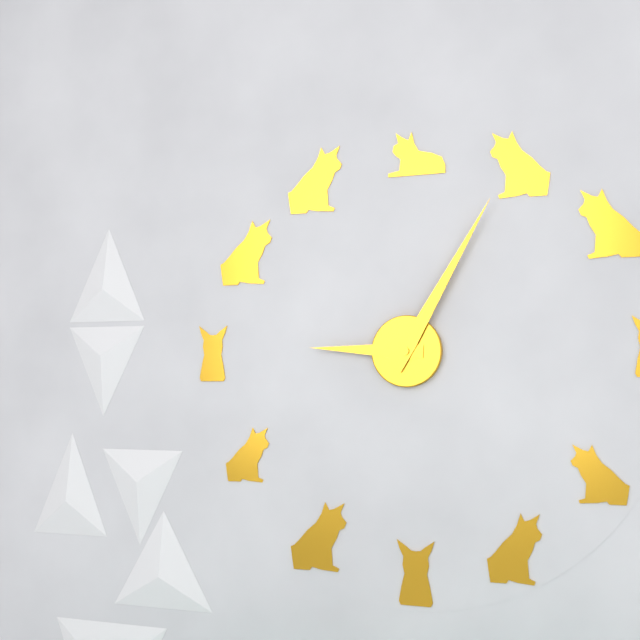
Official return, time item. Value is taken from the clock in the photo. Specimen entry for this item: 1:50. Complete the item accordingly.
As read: 9:05
